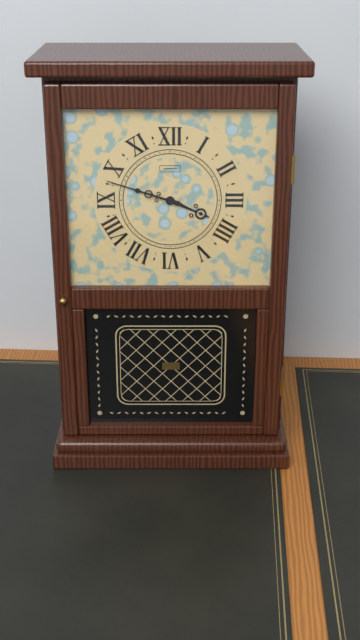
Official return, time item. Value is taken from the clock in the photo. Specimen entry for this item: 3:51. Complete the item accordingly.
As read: 3:48
